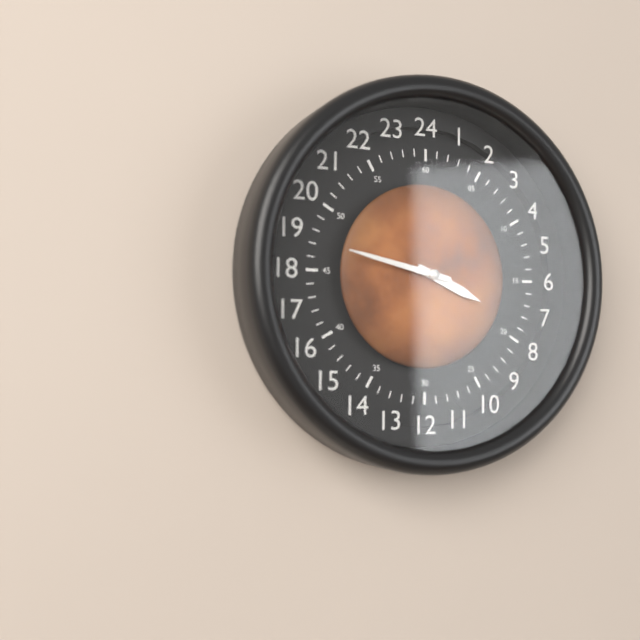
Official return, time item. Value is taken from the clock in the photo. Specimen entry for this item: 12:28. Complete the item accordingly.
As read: 3:47
